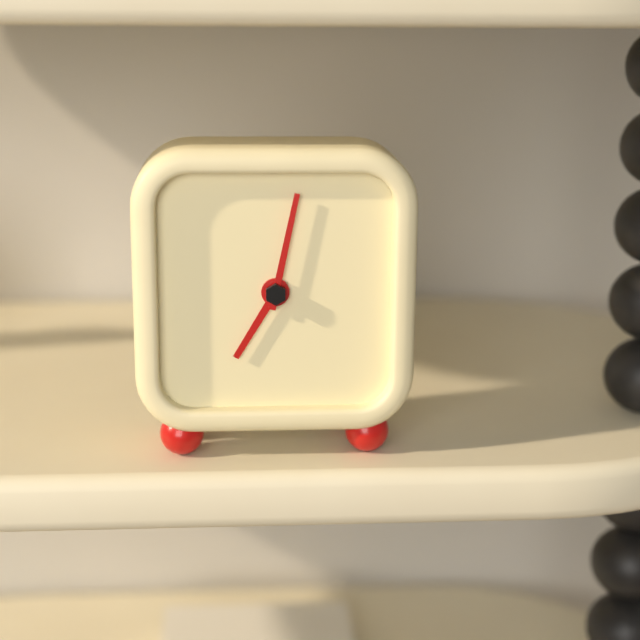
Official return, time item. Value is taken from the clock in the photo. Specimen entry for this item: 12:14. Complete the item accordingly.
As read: 7:02
